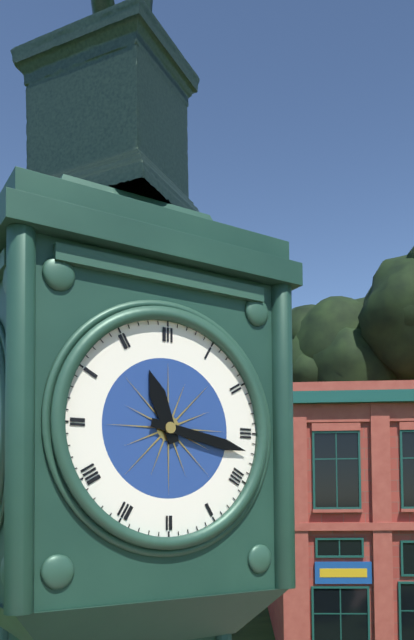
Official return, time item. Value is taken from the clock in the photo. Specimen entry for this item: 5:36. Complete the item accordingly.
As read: 11:17
